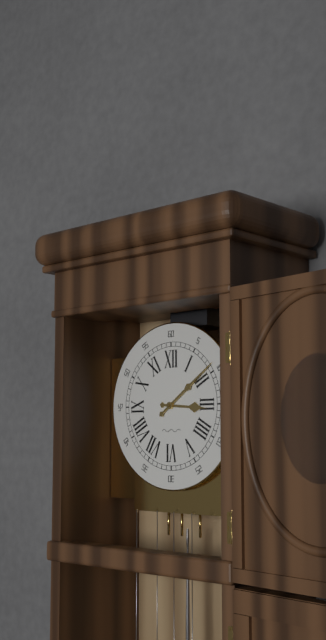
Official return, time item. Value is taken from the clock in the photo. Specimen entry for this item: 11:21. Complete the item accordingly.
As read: 3:09
